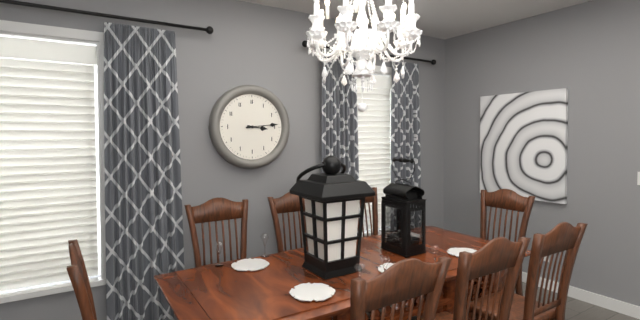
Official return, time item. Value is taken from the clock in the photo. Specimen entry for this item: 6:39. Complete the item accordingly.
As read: 3:14
